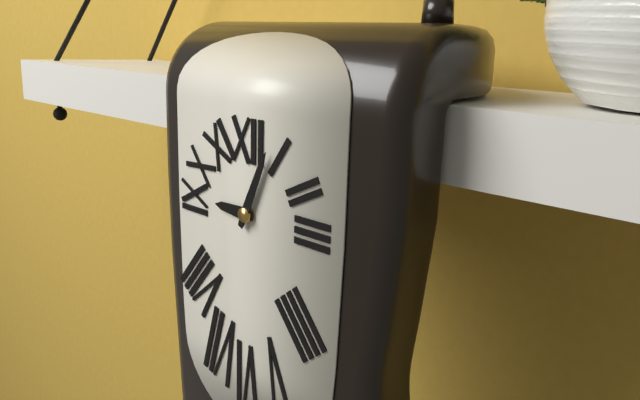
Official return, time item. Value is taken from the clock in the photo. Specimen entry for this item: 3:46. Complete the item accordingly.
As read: 9:04
